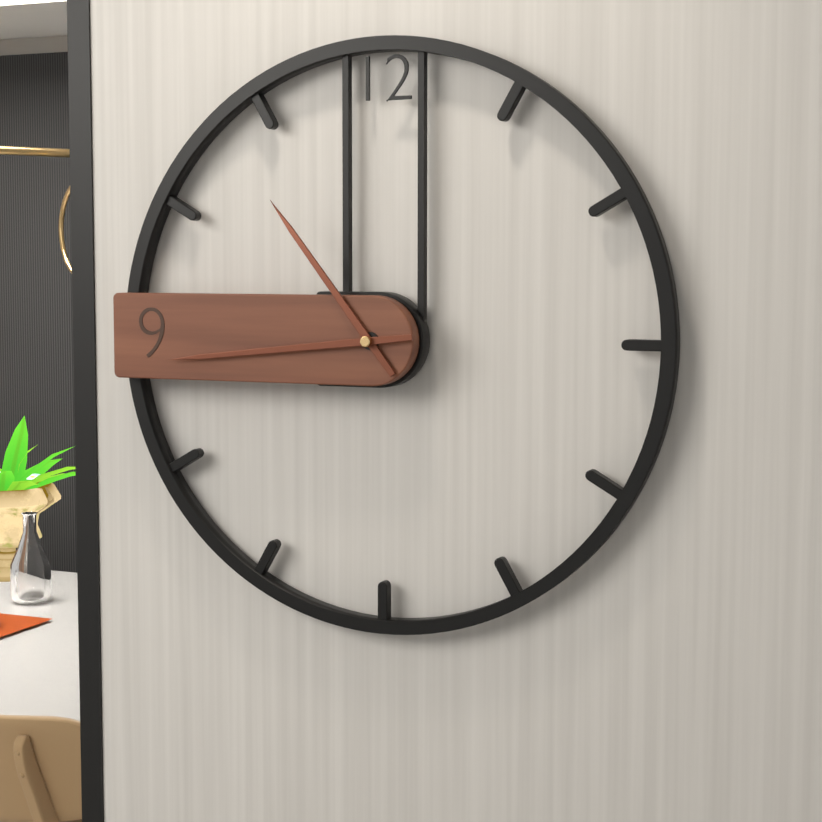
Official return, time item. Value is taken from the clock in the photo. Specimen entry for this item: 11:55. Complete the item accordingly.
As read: 10:44
